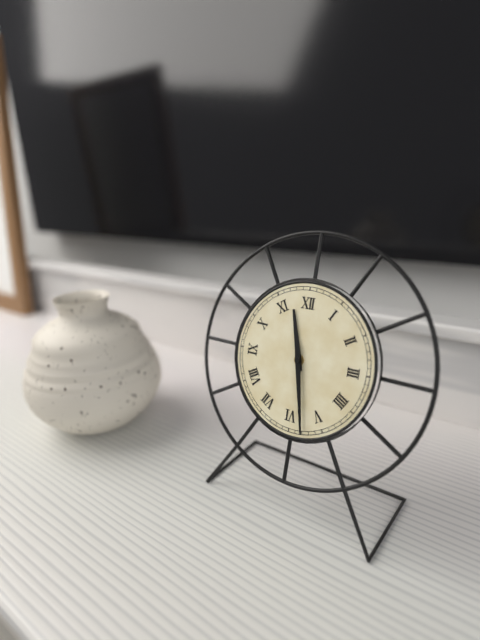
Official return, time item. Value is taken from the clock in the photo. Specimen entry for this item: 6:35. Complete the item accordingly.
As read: 11:28
